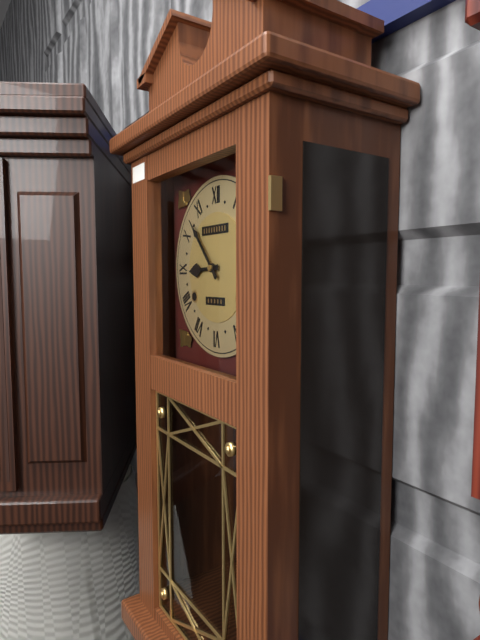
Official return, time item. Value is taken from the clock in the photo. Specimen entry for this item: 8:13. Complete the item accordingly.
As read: 8:53
